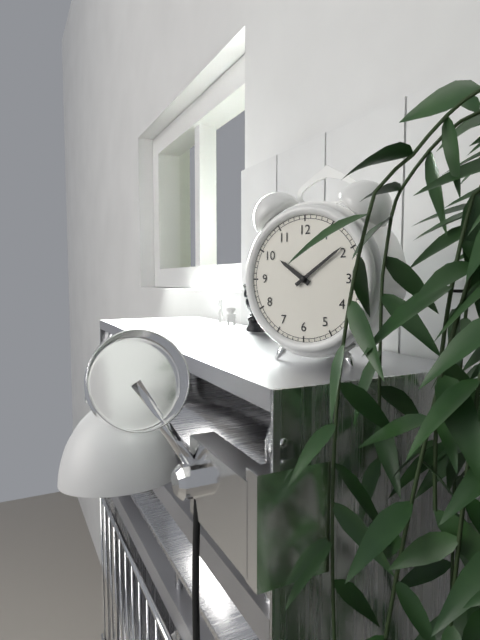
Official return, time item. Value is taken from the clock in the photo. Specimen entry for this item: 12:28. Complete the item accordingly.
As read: 10:09
